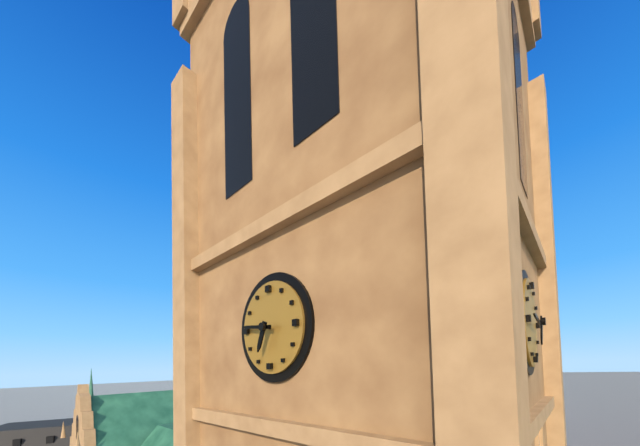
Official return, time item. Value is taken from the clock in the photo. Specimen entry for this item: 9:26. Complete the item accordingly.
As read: 6:46
